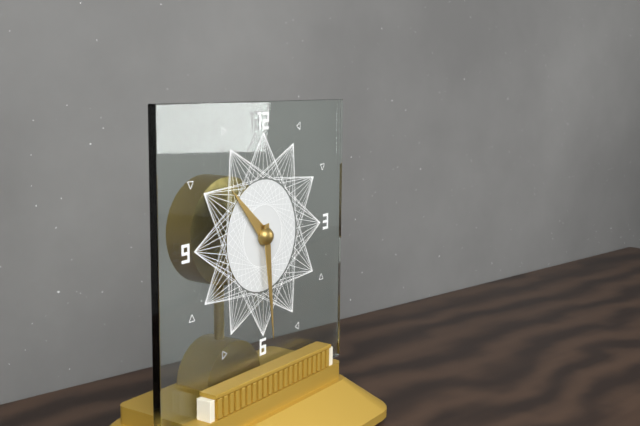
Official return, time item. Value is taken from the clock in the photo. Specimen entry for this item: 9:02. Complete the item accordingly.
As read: 10:29
